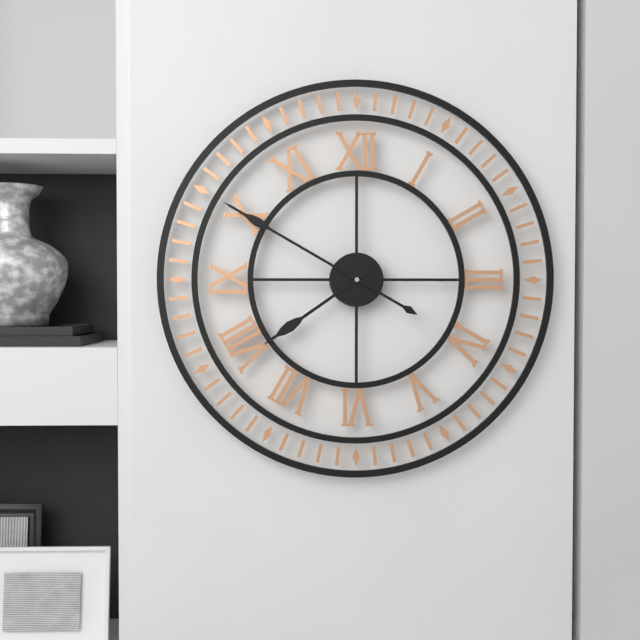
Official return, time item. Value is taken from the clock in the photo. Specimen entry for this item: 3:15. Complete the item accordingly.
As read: 7:50
